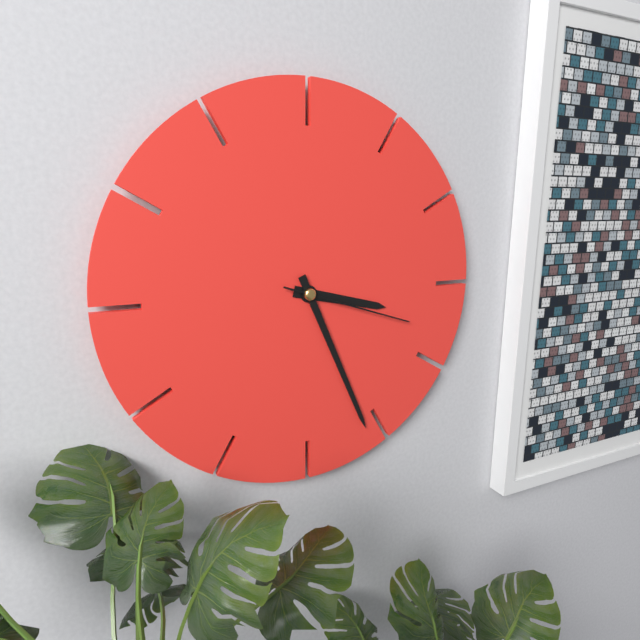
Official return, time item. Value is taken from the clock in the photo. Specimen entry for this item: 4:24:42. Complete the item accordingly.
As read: 3:26:18
